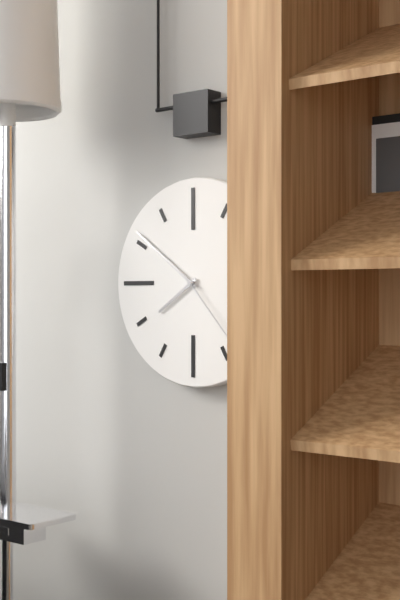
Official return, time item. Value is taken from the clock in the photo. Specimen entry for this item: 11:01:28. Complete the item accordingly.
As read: 7:51:23
